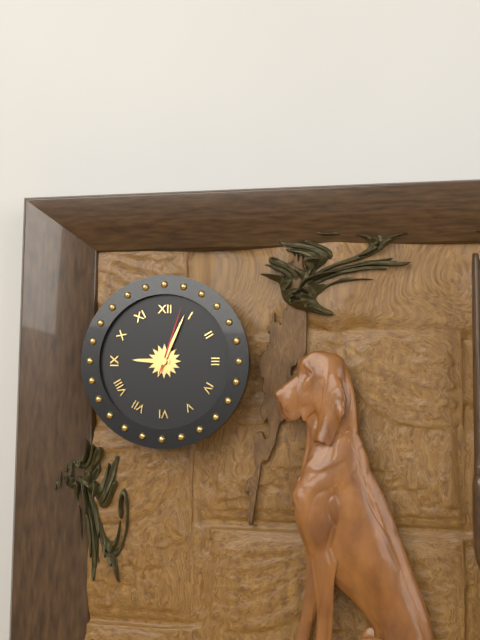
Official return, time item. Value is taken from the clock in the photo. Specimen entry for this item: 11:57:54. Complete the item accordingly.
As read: 9:04:03
